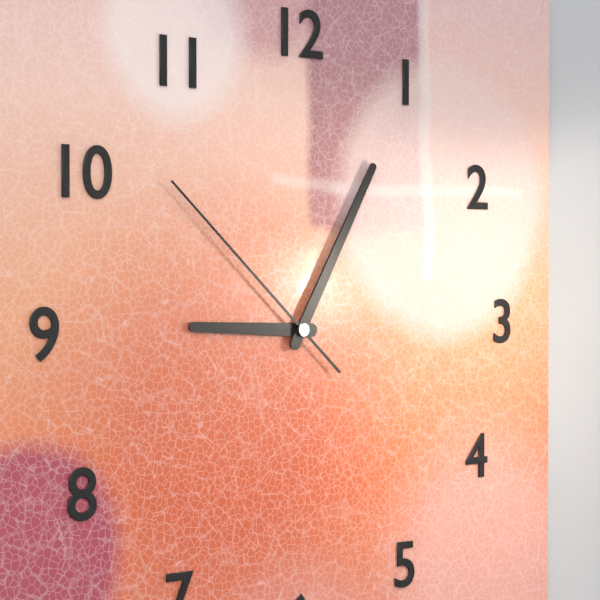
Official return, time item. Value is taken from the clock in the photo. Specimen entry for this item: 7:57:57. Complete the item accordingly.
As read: 9:05:52
